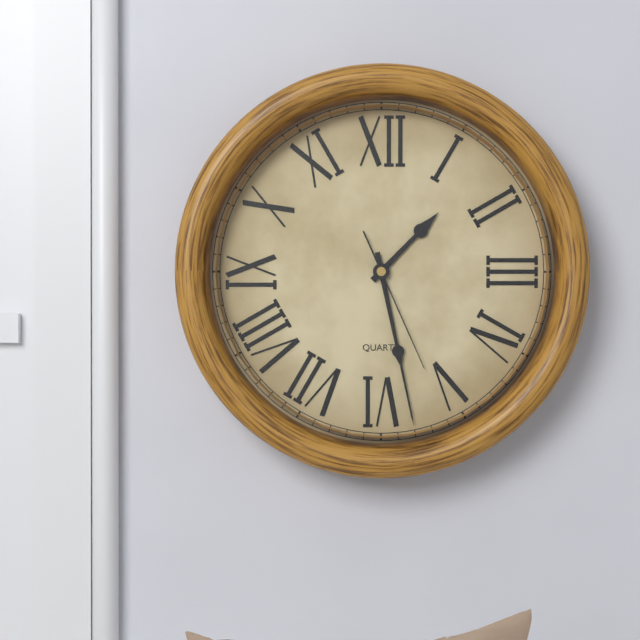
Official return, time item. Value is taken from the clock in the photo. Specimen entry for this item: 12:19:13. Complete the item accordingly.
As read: 1:28:26
